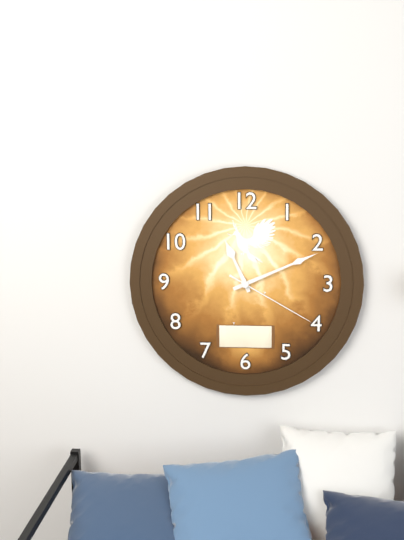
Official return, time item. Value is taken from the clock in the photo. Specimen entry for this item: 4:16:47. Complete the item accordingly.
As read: 11:11:20
